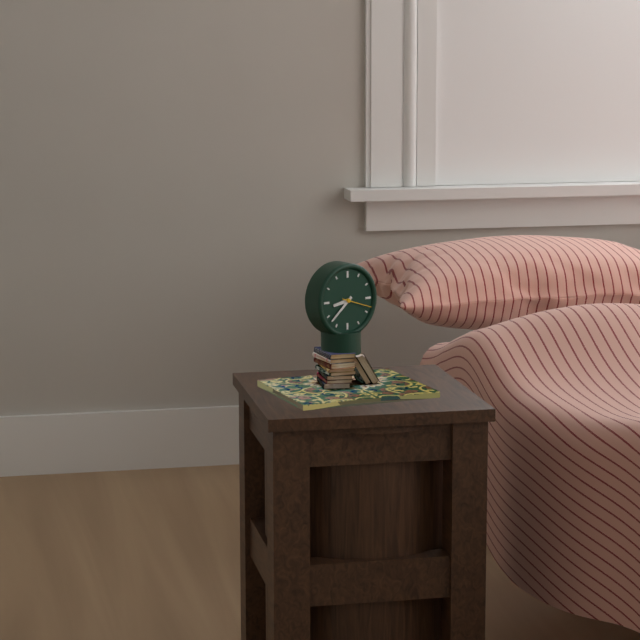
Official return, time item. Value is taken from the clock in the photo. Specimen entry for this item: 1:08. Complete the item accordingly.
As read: 8:38
